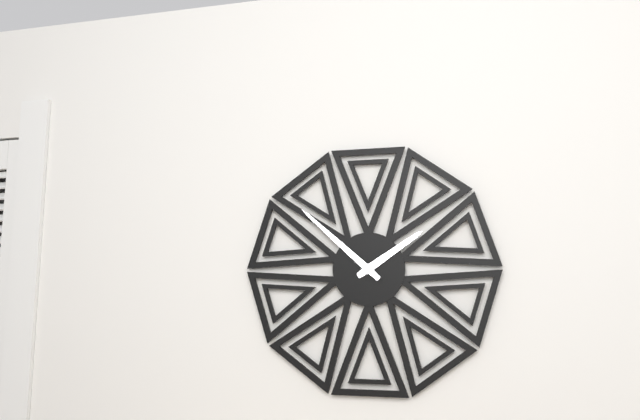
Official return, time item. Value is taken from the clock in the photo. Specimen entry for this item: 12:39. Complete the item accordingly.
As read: 1:52
